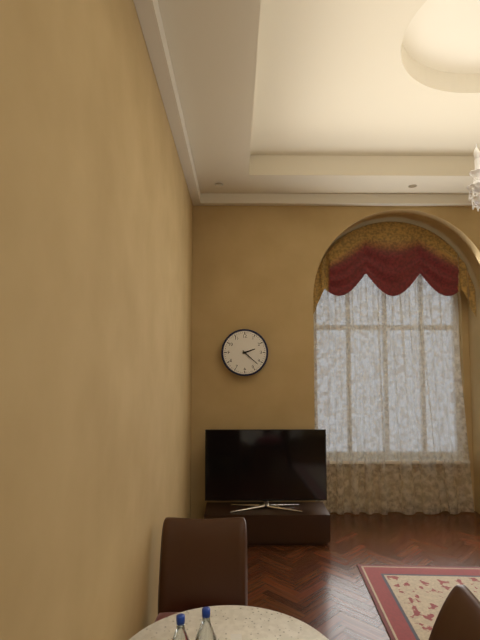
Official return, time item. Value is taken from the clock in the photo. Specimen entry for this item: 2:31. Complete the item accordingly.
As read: 2:22
